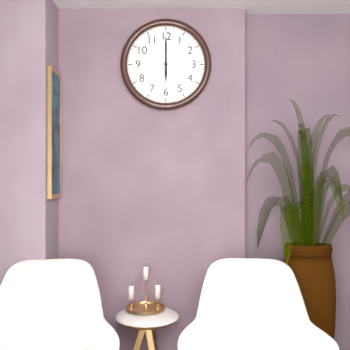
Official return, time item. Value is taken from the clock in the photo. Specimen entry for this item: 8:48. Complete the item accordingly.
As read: 6:00
